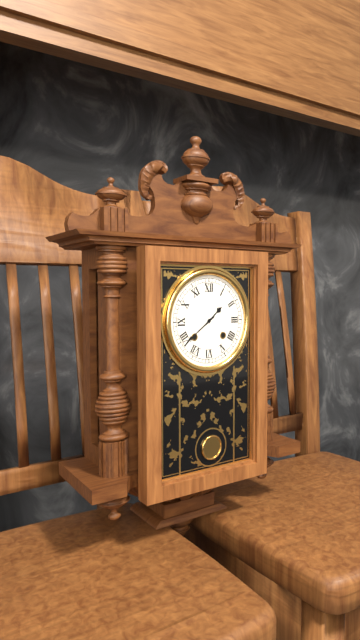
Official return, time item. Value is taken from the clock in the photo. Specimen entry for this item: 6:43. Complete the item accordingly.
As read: 1:39
